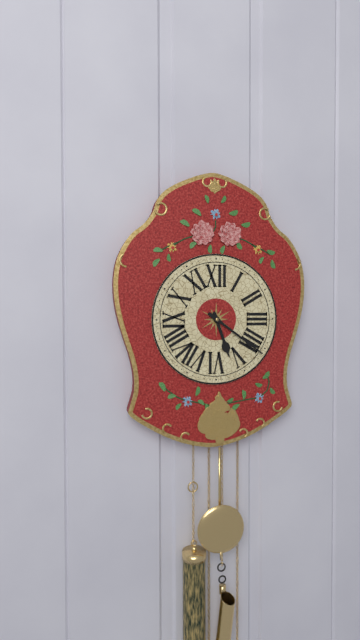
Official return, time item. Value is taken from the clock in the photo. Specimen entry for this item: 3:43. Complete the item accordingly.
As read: 5:21
